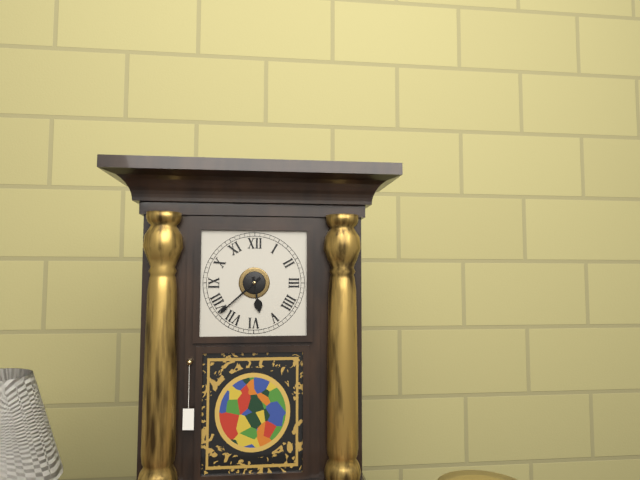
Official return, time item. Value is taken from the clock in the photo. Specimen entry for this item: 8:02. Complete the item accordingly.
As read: 5:38
